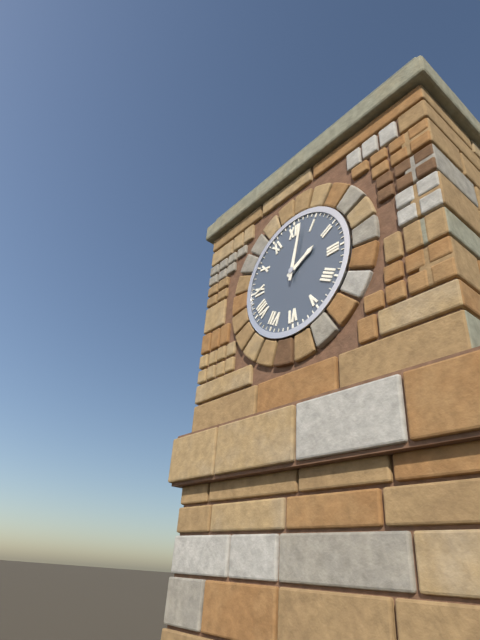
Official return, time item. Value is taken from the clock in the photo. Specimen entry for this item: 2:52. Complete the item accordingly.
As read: 2:02
